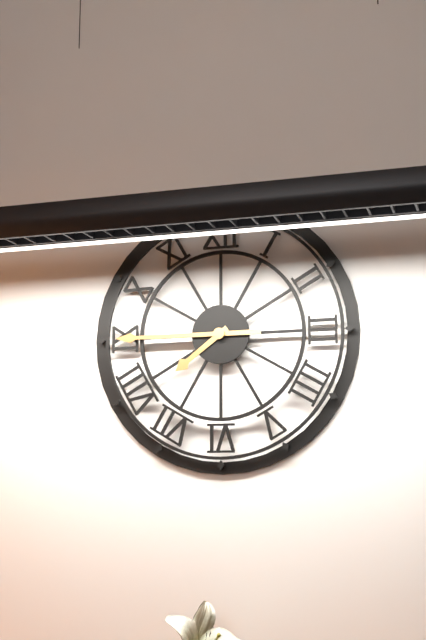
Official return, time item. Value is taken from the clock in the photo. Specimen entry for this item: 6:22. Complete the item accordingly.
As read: 7:45
